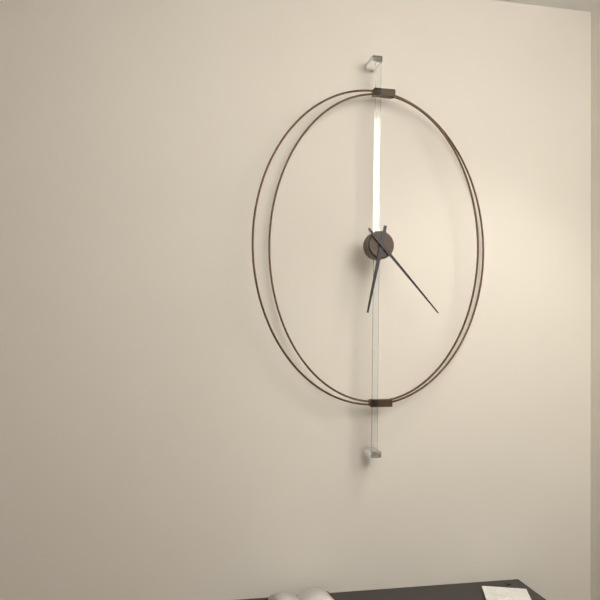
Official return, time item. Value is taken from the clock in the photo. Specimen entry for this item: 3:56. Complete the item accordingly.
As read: 6:23
